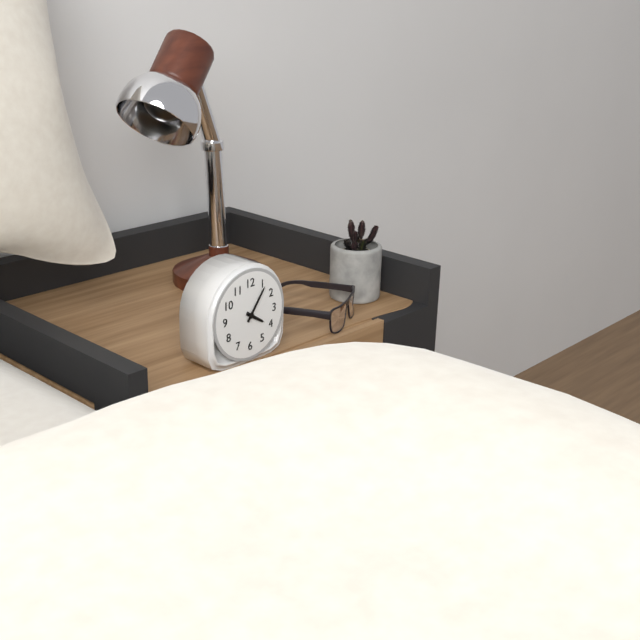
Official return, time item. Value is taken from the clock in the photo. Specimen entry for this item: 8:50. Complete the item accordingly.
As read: 4:06
